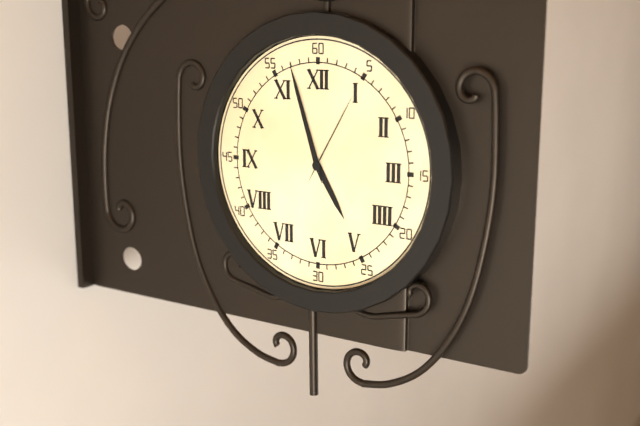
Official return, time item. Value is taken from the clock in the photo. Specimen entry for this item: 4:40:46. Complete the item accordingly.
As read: 4:57:05
